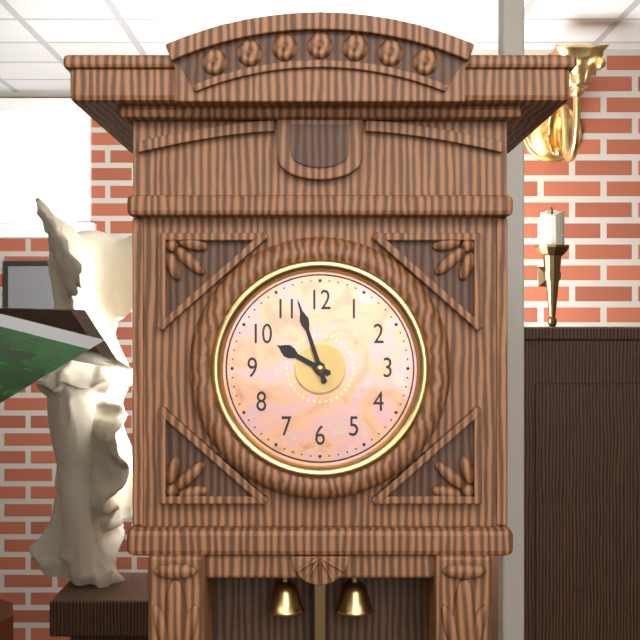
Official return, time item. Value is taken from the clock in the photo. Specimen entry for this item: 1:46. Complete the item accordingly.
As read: 9:57
